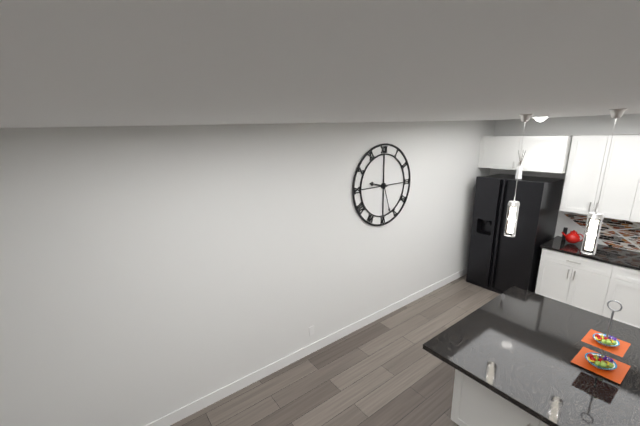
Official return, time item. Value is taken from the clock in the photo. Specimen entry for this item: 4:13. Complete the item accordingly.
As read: 9:27
